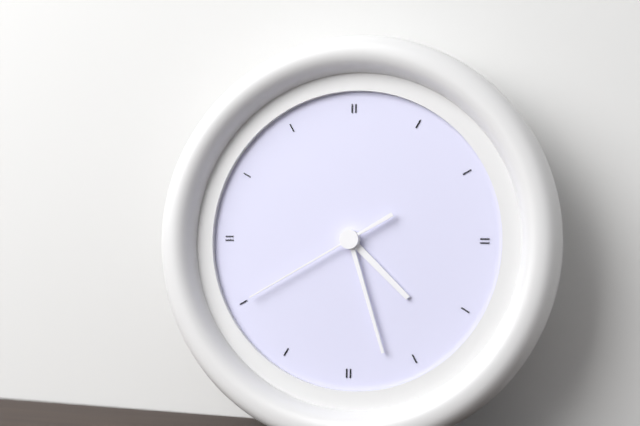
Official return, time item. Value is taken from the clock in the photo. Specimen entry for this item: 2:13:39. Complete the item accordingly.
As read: 4:27:40
